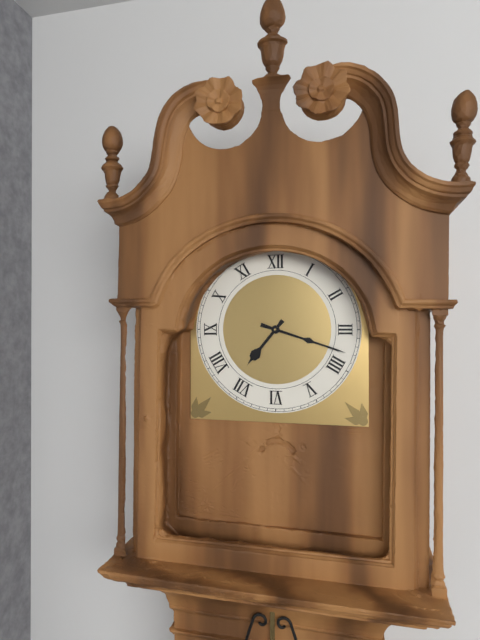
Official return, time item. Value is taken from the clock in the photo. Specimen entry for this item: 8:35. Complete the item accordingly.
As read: 7:18
